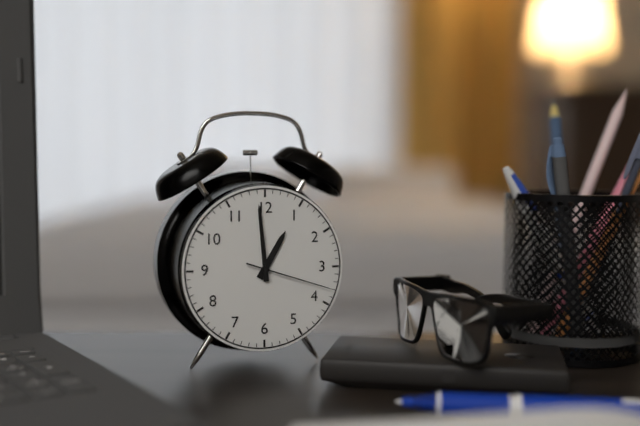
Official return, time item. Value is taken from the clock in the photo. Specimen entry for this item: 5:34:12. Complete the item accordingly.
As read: 12:59:18
